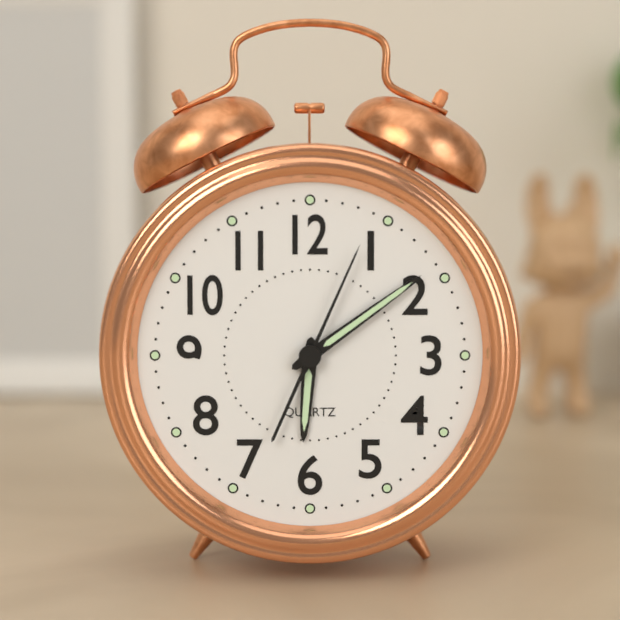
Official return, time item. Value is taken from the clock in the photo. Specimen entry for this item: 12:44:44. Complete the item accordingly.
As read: 6:09:04
